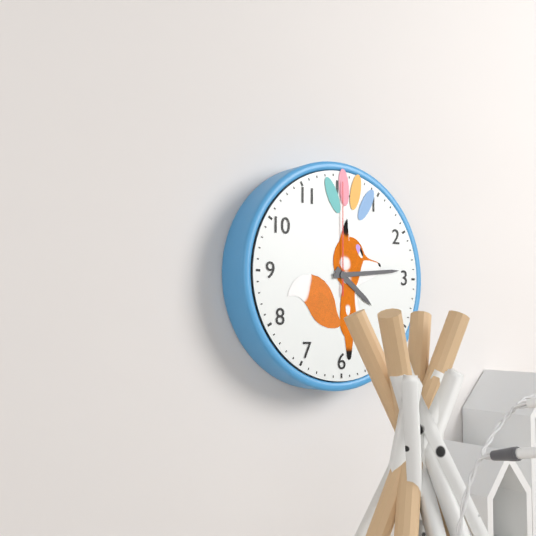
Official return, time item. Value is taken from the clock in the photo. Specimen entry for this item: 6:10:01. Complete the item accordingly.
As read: 4:14:00
